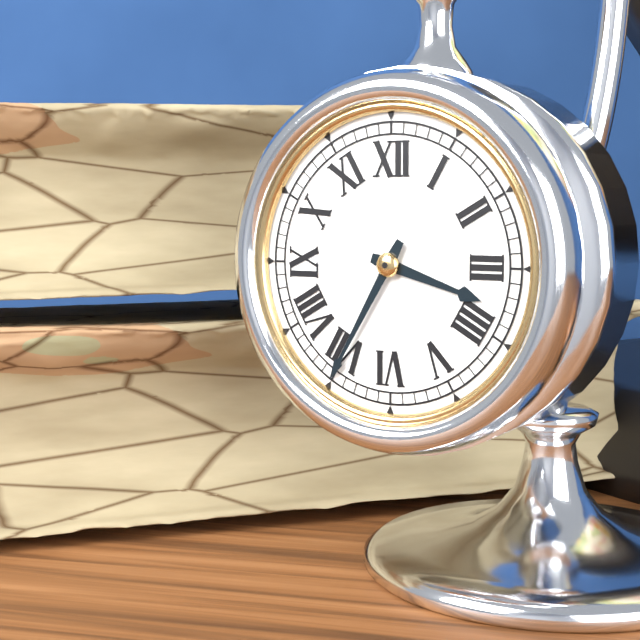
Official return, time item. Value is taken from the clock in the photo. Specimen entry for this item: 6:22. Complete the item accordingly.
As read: 3:35
